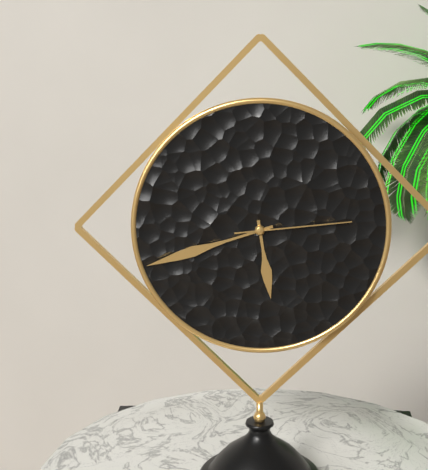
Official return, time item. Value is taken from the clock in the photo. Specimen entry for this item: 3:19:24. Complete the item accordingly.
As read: 5:42:14
